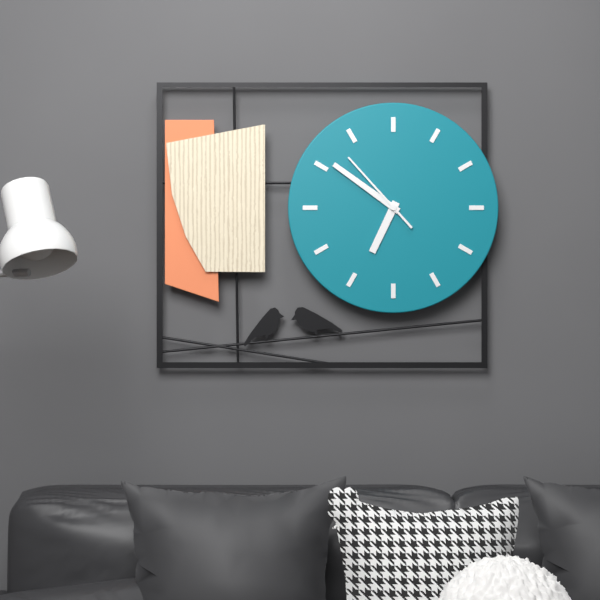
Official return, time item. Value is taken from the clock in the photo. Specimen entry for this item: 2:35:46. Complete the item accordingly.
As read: 6:51:53
